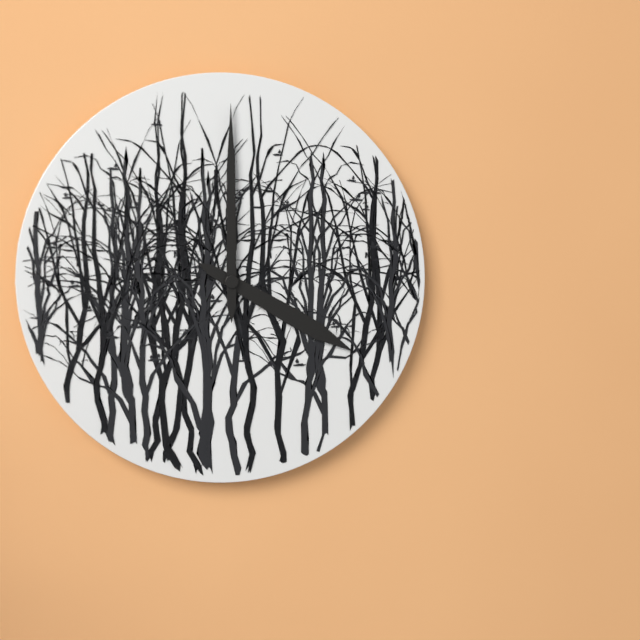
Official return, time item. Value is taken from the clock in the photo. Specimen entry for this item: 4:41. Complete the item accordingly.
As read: 4:00
